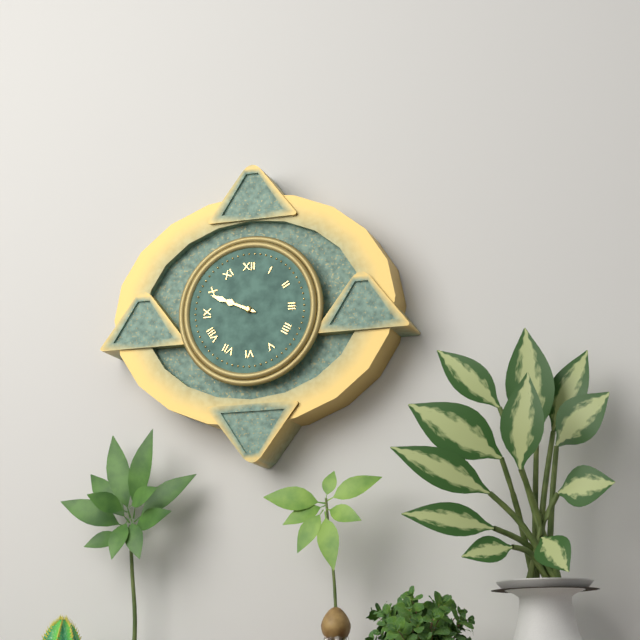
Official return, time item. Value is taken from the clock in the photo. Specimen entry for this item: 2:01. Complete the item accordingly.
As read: 9:49
